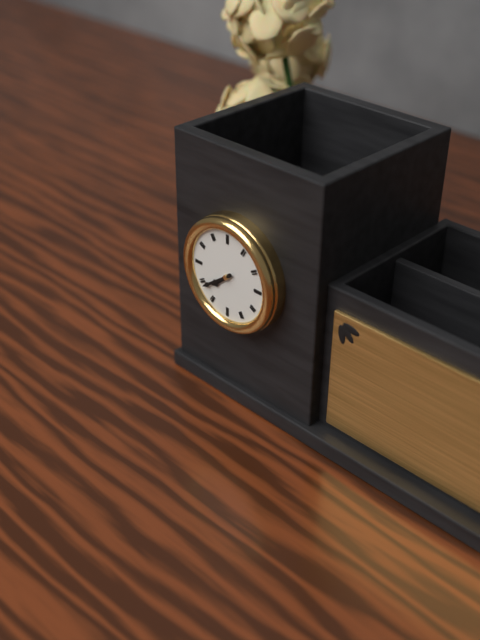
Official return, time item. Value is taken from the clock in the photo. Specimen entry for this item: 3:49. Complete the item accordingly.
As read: 7:39
